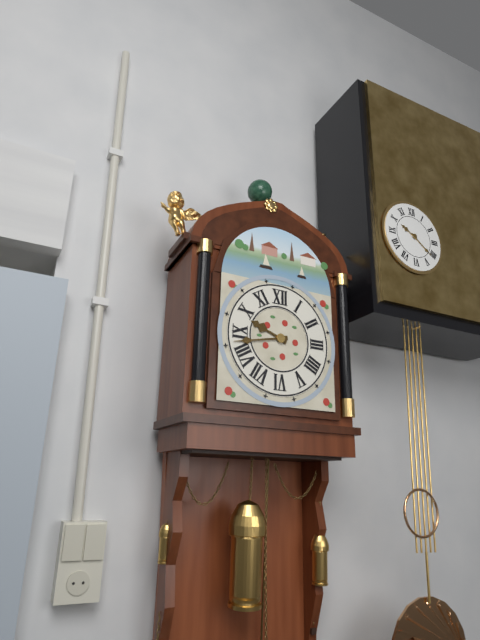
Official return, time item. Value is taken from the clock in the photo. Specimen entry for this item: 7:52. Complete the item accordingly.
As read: 9:43
